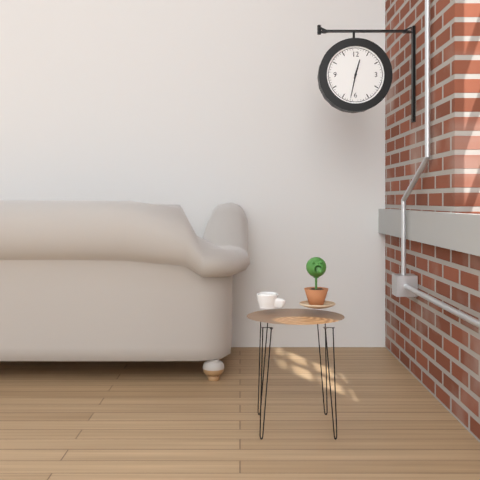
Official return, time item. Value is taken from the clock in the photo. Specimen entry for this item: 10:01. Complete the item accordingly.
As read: 12:32
